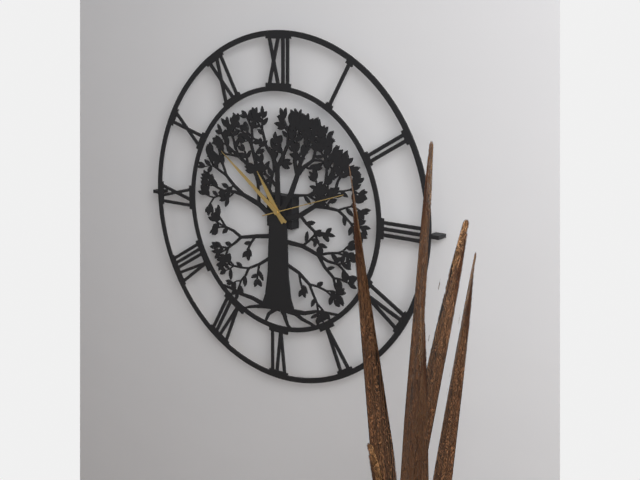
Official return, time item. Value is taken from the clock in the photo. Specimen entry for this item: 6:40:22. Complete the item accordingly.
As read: 10:51:12
